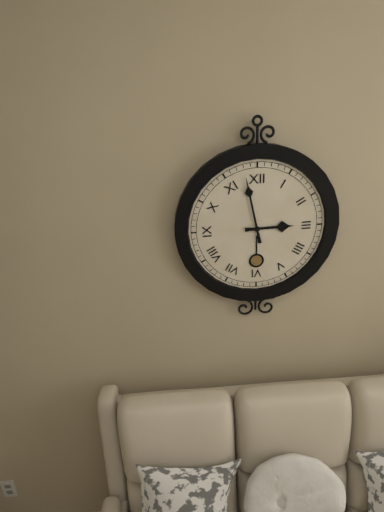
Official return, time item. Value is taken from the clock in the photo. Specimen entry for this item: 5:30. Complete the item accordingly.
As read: 2:58
